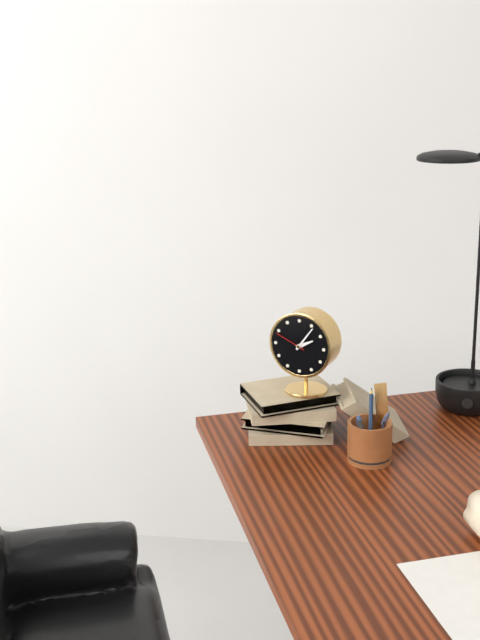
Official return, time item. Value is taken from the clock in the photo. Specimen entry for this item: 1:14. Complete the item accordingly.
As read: 2:06
